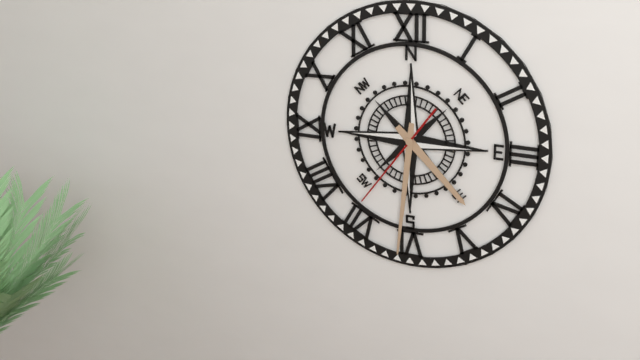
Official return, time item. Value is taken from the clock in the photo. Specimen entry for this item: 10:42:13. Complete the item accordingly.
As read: 4:31:36
